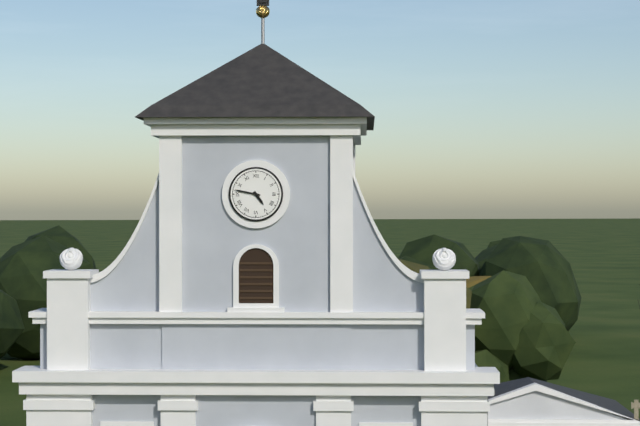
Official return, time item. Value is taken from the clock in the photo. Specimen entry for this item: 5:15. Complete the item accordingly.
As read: 4:47
